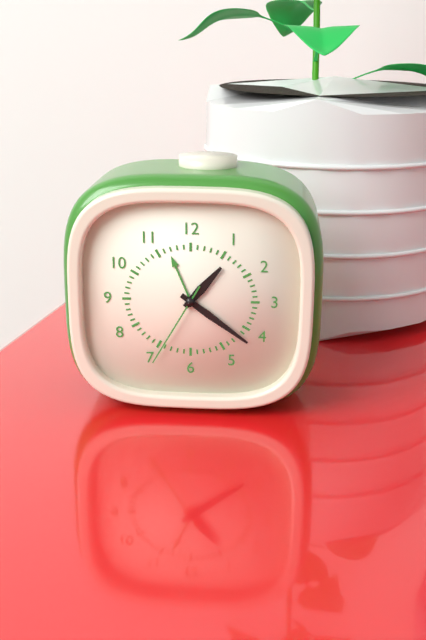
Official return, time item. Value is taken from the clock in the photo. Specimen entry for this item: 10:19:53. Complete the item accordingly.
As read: 1:21:35
